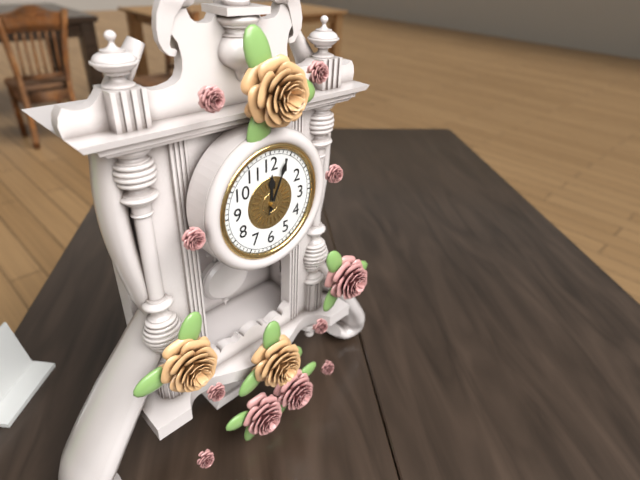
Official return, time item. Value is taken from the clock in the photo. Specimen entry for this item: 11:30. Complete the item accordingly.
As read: 12:04
